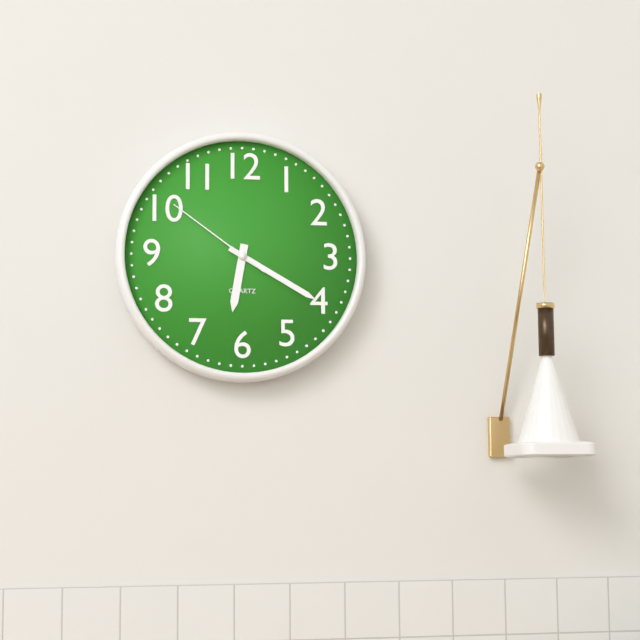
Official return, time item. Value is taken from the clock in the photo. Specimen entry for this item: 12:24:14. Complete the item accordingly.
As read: 6:20:51
